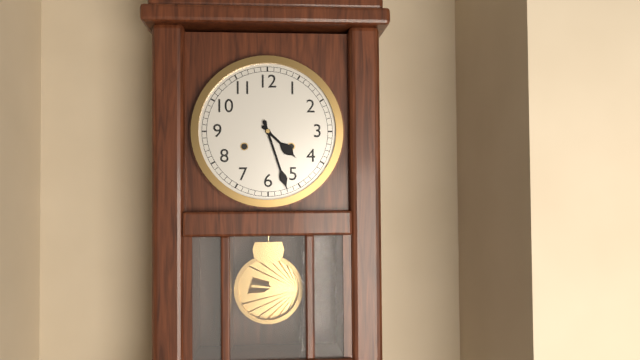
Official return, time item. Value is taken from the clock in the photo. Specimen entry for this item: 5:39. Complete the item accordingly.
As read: 4:27
